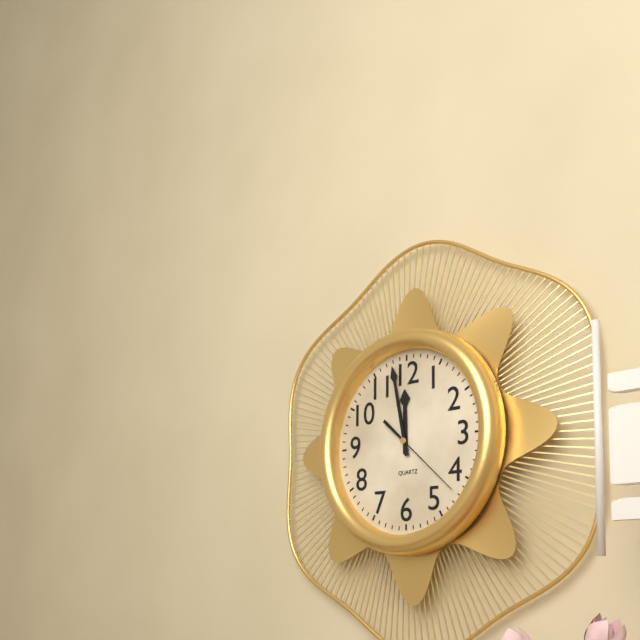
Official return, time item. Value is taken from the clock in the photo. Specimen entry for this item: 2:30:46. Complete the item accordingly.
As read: 11:58:22
